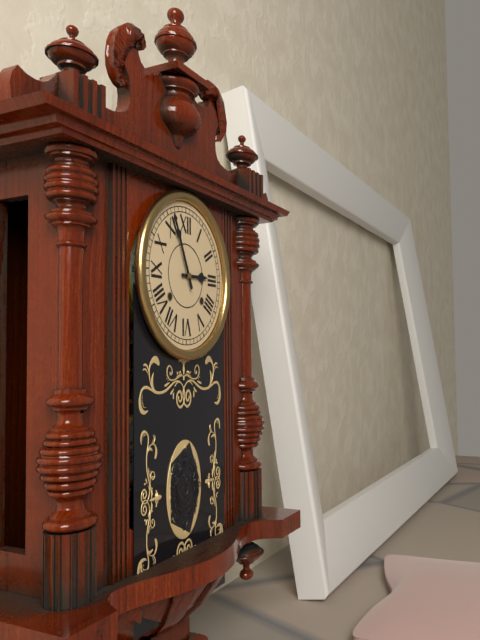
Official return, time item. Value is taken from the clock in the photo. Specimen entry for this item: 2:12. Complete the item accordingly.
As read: 2:56
